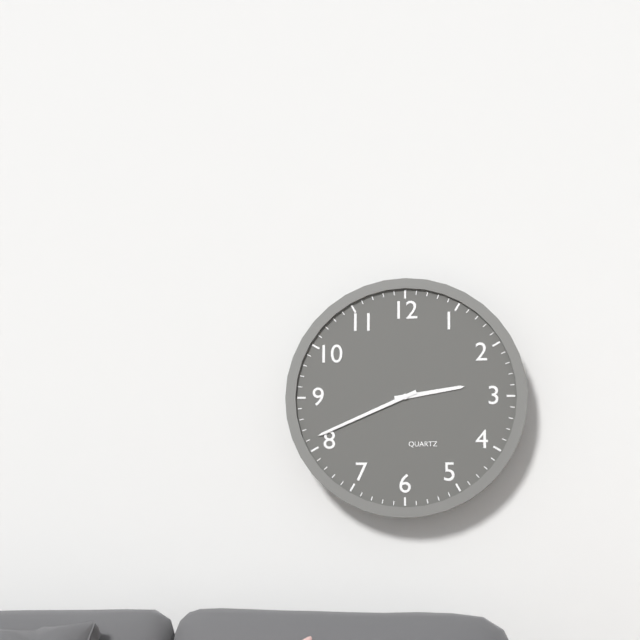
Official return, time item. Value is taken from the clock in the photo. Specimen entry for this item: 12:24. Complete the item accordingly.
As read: 2:41
